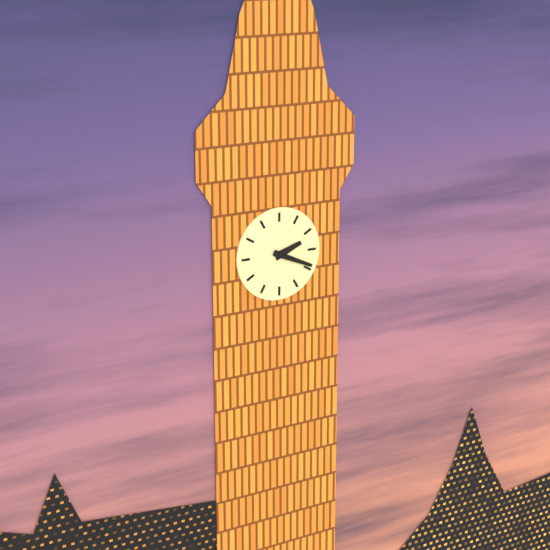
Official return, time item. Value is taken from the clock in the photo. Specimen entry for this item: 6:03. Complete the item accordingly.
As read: 2:19
